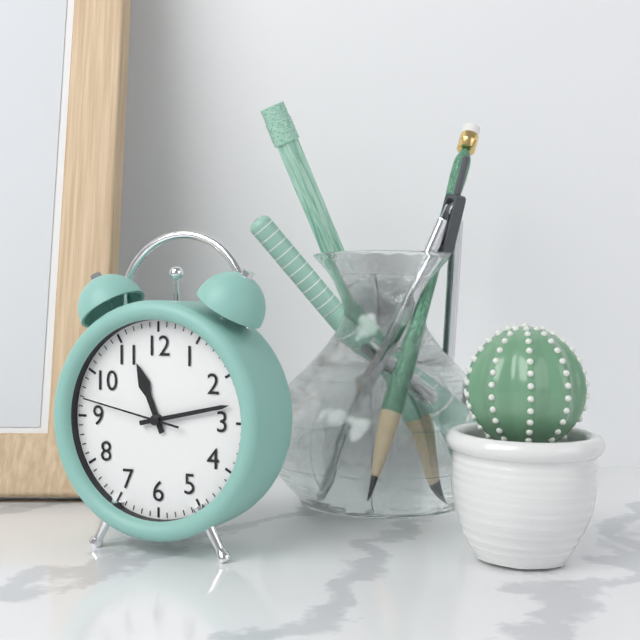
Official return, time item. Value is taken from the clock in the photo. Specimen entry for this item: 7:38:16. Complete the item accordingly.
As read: 11:13:47
